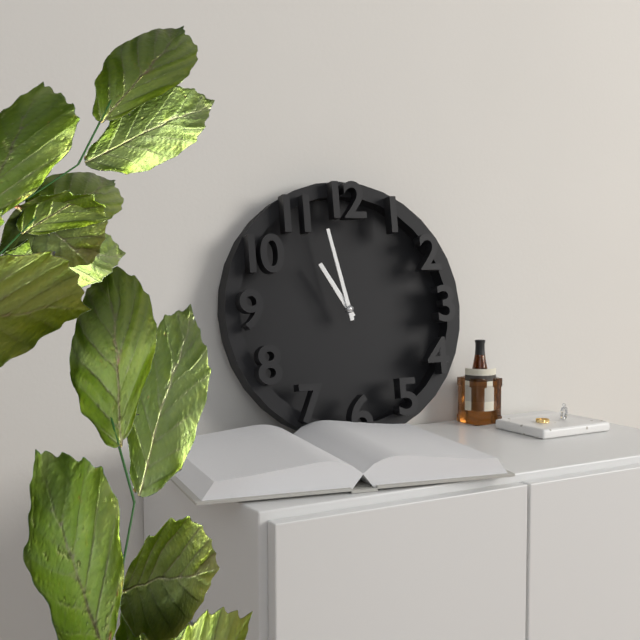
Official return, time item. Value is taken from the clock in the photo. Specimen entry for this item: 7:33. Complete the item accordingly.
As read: 10:58
